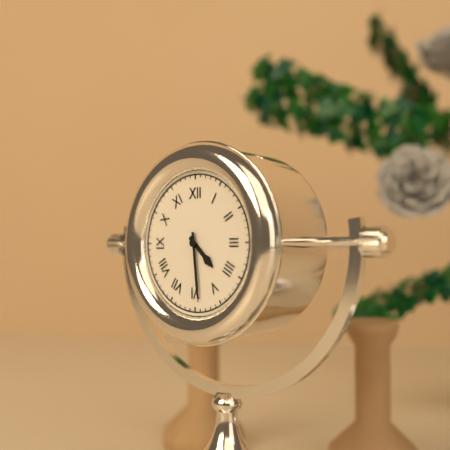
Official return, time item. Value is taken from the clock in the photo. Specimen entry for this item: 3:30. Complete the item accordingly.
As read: 4:29
